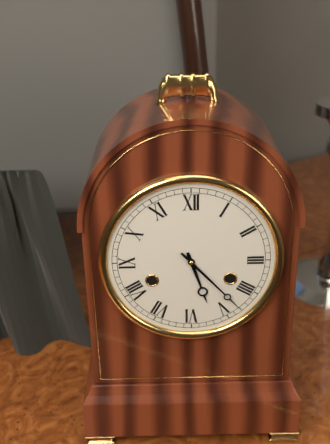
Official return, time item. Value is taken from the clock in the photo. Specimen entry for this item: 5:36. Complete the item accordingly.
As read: 5:23
